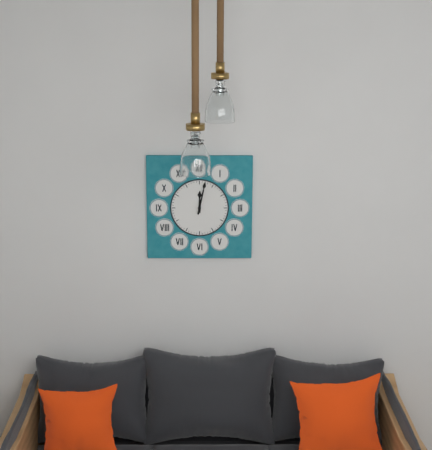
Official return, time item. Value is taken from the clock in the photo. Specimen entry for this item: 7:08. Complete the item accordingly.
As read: 12:02
